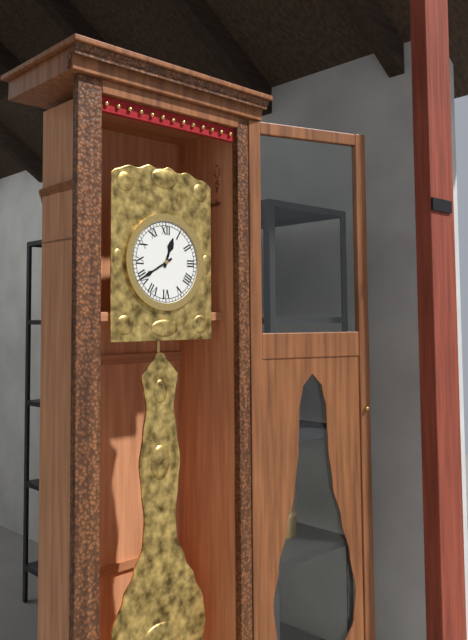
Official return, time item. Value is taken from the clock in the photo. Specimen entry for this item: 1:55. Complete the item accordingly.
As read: 12:40
